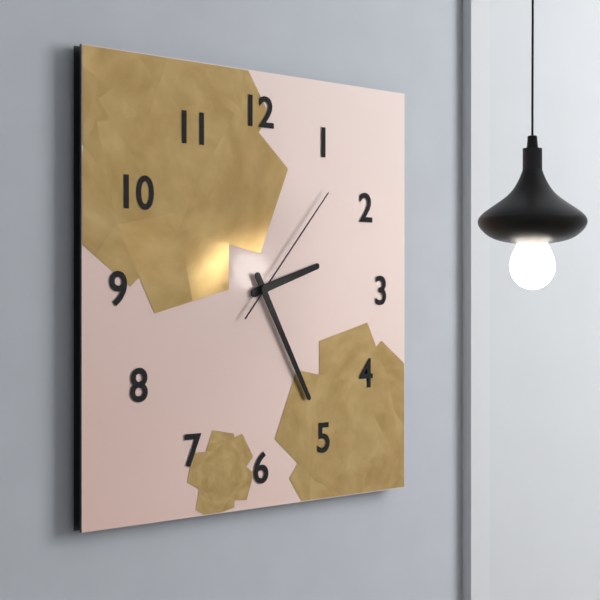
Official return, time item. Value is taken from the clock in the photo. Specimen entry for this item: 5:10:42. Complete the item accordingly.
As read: 2:25:07
